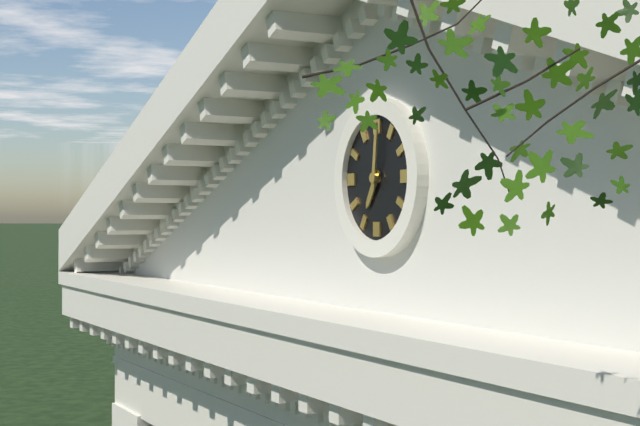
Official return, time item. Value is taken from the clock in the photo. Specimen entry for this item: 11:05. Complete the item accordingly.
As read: 7:01
